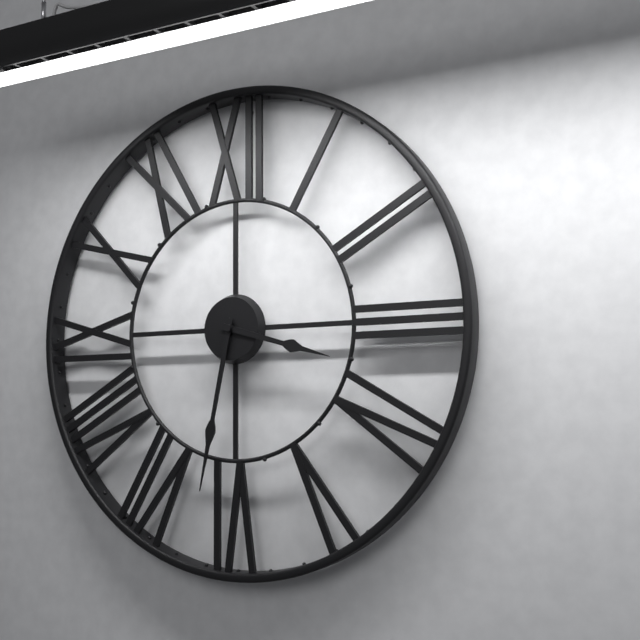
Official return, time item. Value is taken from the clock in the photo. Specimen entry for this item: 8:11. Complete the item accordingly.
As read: 3:32
